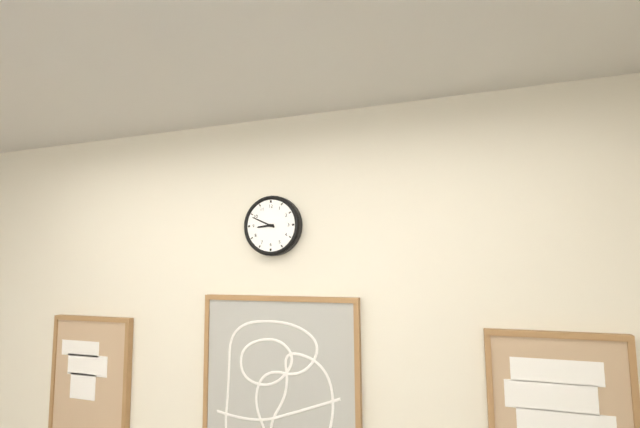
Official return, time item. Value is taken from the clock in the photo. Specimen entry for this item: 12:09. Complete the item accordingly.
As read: 8:49
